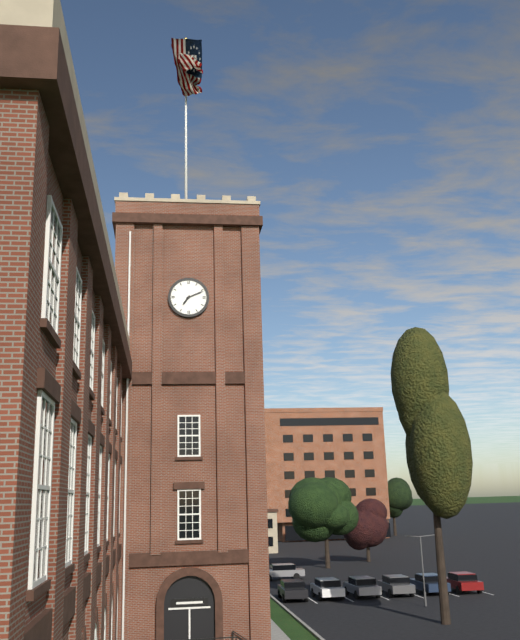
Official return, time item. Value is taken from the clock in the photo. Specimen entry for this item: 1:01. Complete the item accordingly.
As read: 7:11
